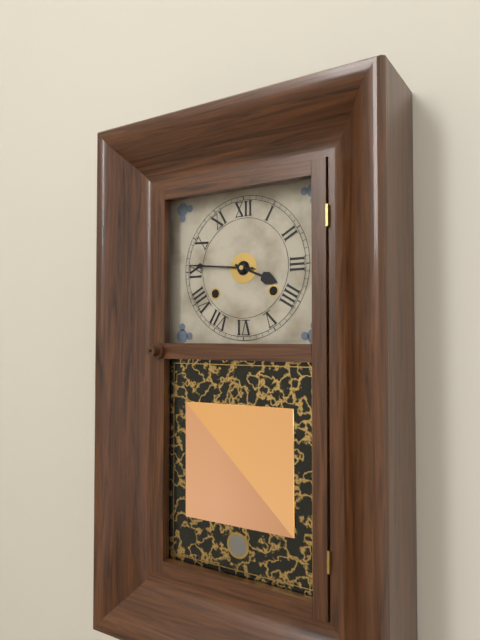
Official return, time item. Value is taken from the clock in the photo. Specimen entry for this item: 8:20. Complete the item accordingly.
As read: 3:46
